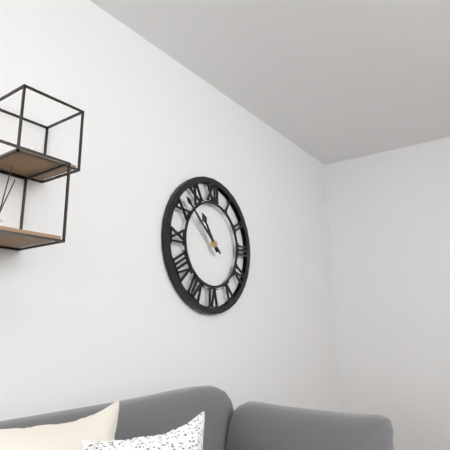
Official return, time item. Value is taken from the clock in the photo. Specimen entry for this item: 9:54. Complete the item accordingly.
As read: 10:52
